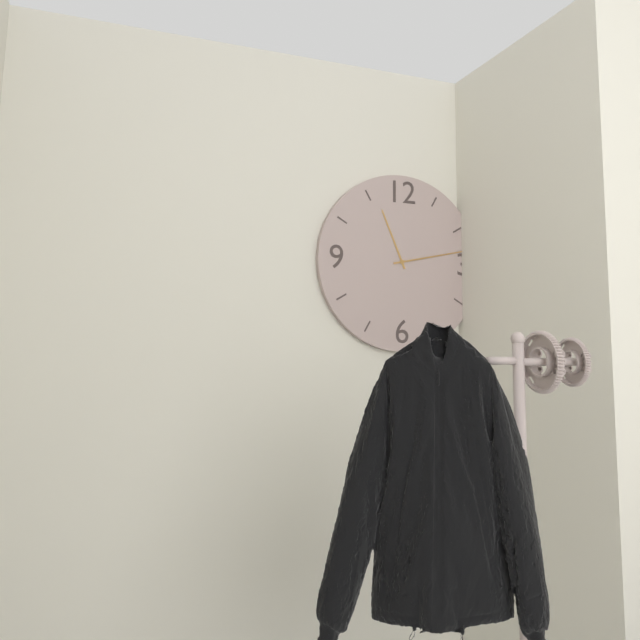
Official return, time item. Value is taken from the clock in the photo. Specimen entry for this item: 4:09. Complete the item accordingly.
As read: 11:13
